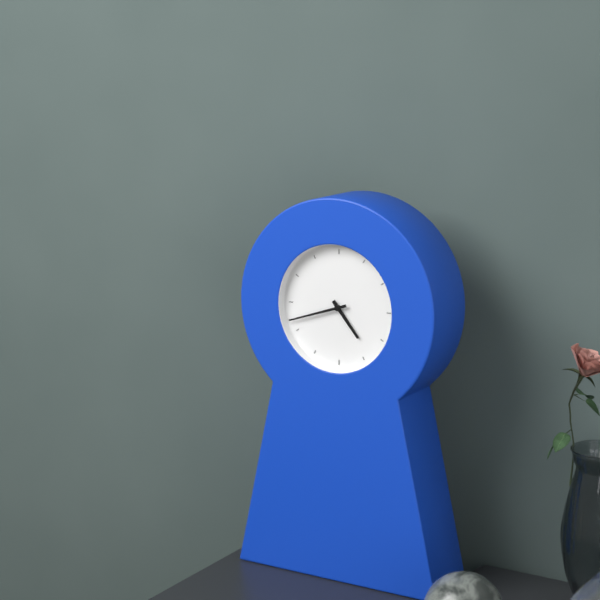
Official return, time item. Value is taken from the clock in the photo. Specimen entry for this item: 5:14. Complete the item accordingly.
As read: 4:42
